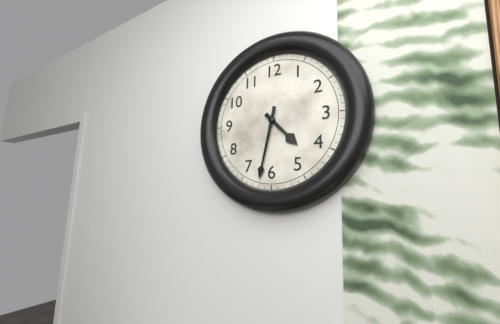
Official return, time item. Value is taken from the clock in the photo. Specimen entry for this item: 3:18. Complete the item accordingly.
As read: 4:32
